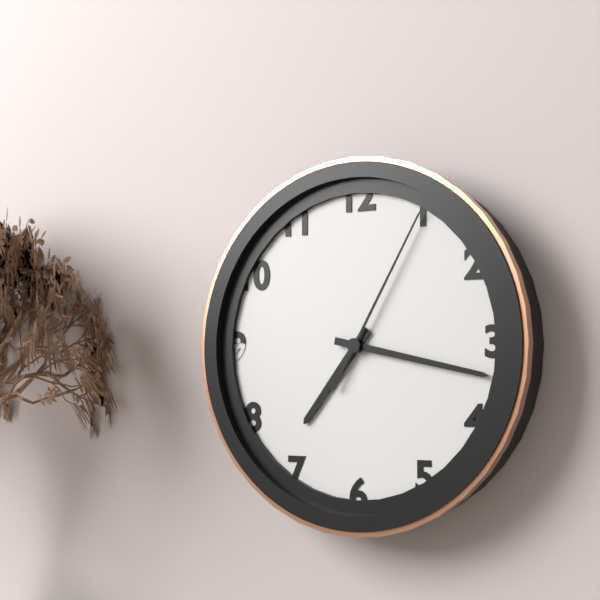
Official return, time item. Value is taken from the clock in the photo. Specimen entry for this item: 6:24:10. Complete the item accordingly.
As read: 7:17:05
